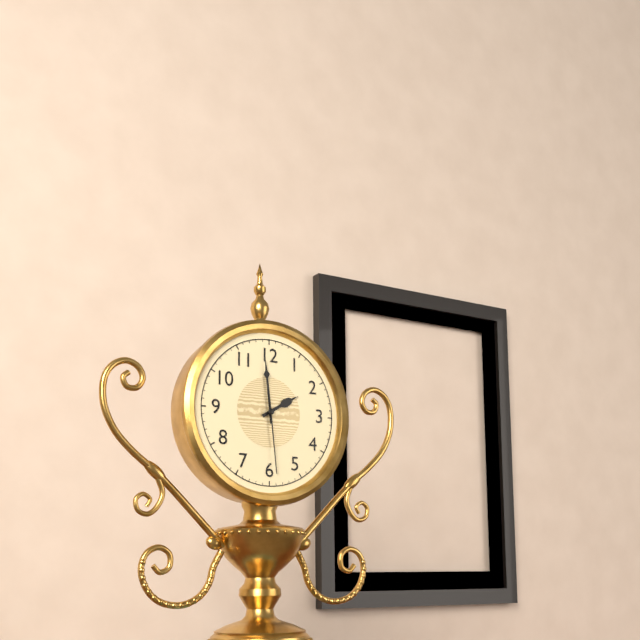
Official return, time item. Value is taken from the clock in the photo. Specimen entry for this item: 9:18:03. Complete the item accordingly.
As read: 1:59:29
